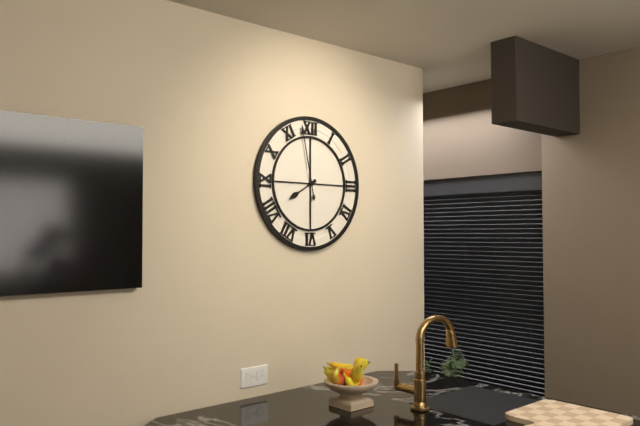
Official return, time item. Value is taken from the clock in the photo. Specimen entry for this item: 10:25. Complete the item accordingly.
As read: 7:58
